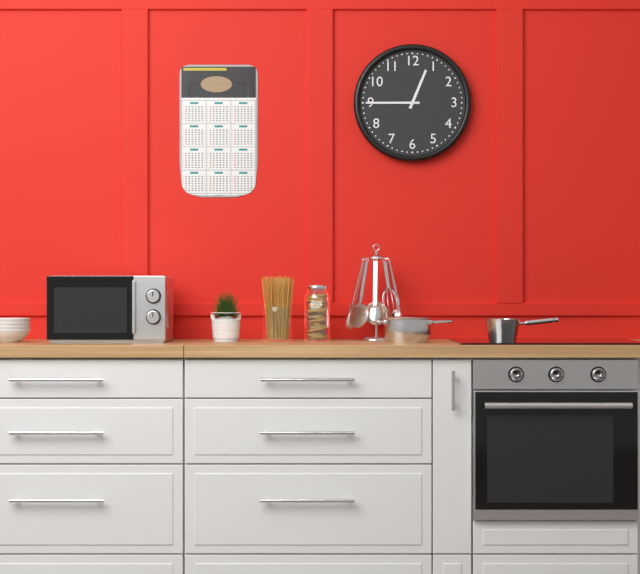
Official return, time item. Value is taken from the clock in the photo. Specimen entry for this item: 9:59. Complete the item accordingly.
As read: 12:45
